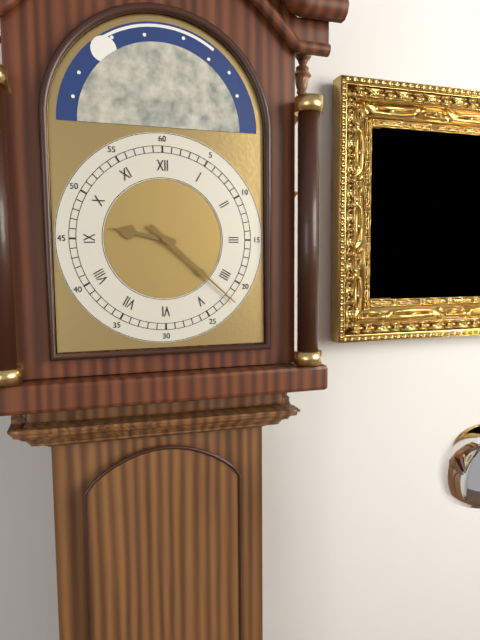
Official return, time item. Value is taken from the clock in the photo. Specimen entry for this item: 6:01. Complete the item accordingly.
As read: 9:22
